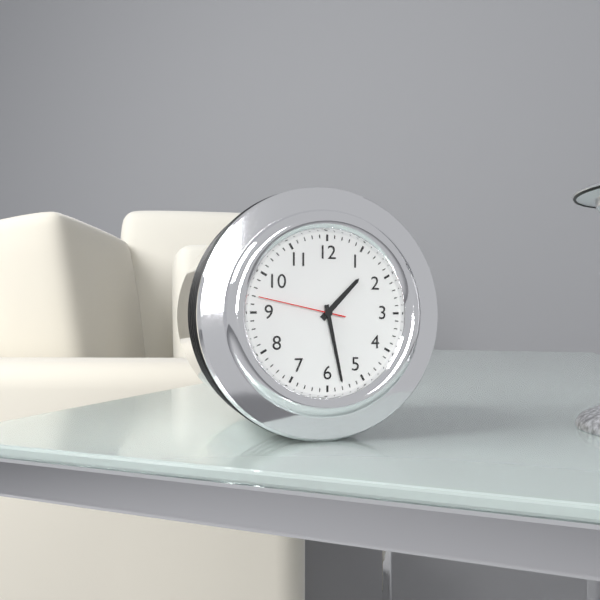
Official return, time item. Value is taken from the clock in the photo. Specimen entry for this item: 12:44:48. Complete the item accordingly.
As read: 1:28:47
